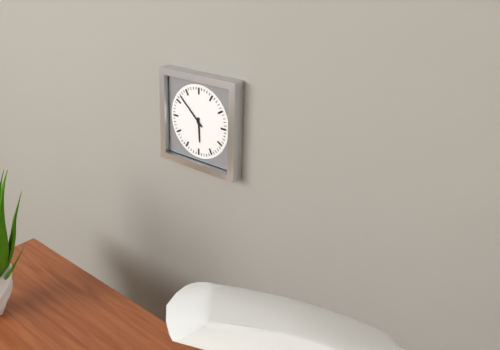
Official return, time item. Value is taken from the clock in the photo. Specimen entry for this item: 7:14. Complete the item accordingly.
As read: 5:52
